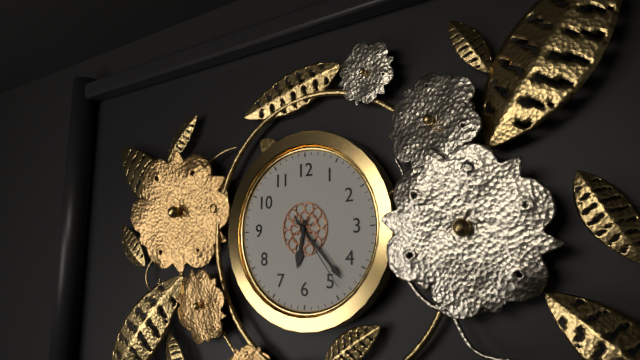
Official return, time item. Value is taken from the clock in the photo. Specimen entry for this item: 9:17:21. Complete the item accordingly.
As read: 6:23:24
